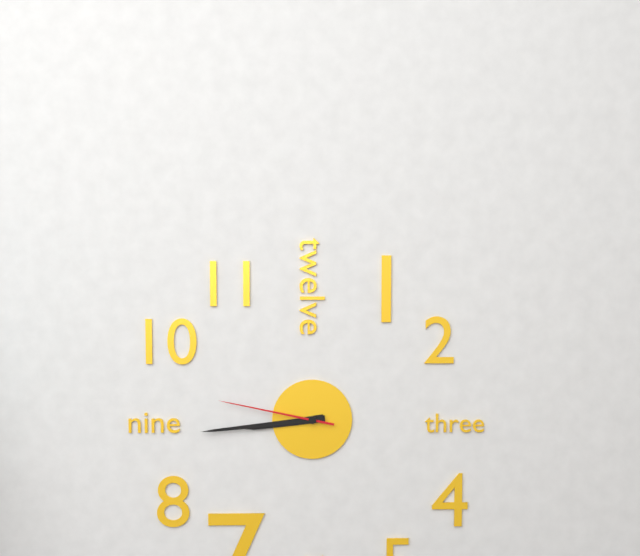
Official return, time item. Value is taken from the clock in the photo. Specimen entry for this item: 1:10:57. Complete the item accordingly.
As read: 8:44:47
